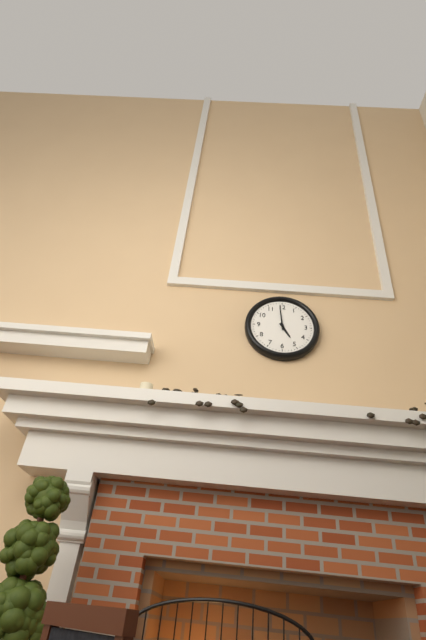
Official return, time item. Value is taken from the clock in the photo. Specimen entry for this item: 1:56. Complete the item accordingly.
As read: 4:59
